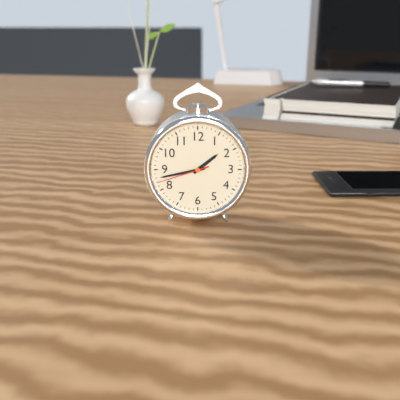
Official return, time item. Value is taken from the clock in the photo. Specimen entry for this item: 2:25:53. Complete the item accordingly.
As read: 1:43:42
